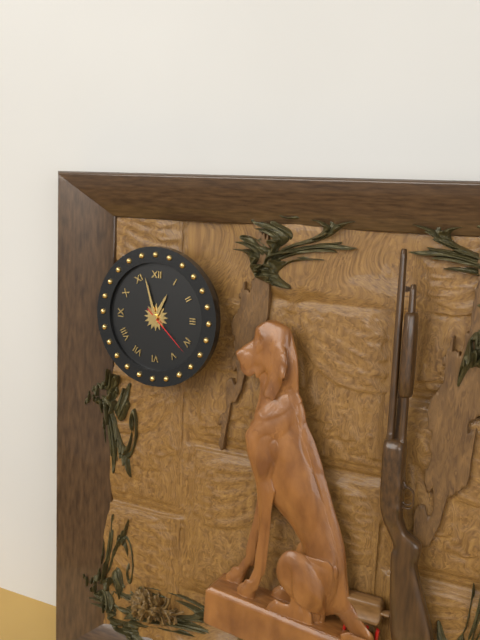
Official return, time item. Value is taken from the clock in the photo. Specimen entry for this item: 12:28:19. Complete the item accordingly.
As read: 12:57:22
